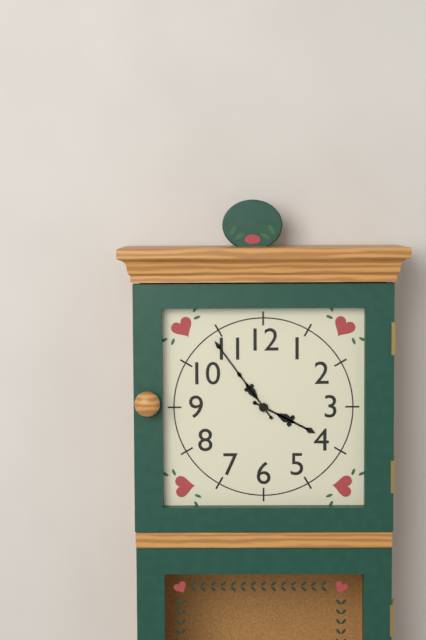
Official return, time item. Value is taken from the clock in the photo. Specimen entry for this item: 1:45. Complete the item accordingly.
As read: 3:54
